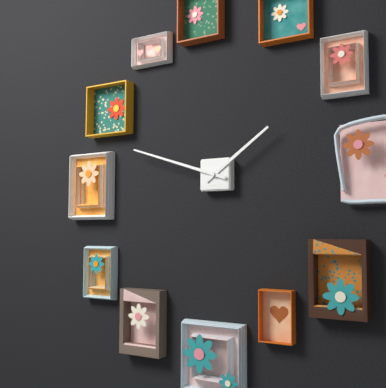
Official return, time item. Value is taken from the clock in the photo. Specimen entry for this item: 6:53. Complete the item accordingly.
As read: 1:48
